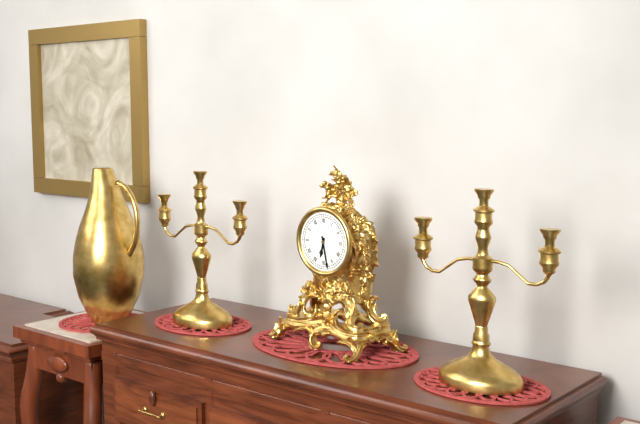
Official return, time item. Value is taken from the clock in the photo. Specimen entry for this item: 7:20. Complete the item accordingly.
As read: 6:28
